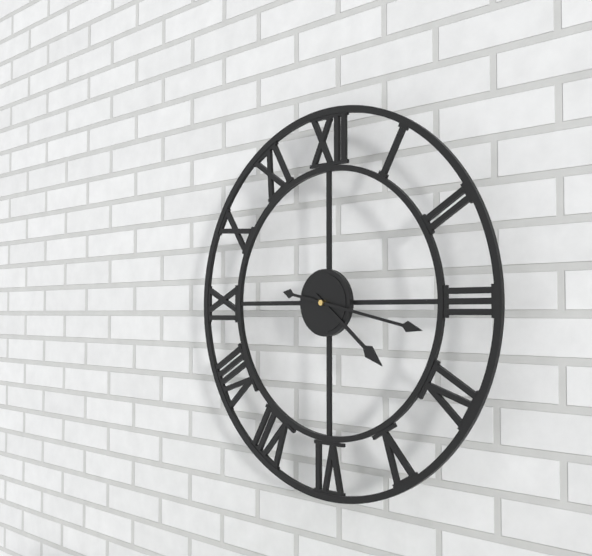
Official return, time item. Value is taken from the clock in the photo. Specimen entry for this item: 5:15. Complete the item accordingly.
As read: 4:17
